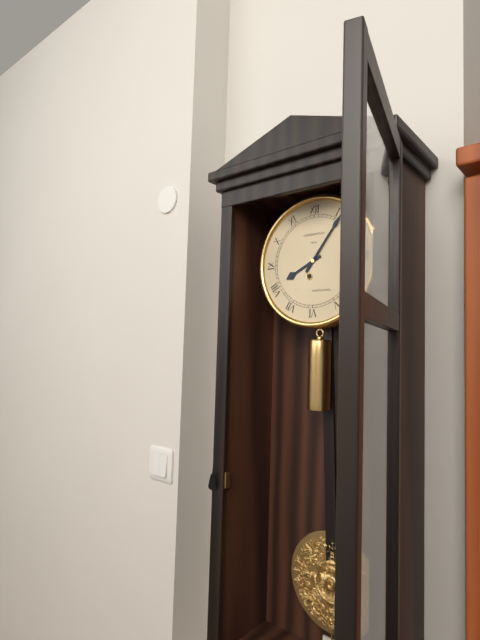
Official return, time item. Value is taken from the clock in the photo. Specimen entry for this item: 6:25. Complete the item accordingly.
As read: 8:06
